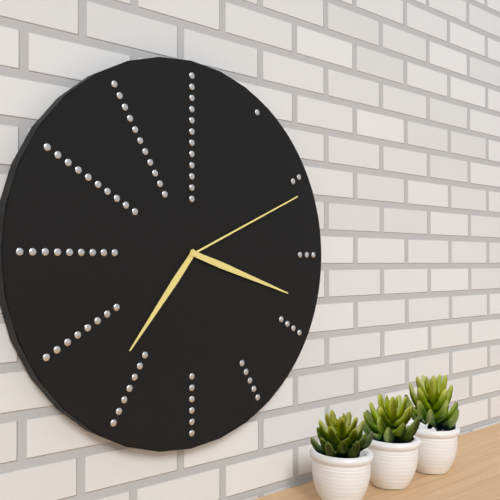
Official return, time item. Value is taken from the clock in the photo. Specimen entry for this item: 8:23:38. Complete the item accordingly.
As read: 7:18:11
